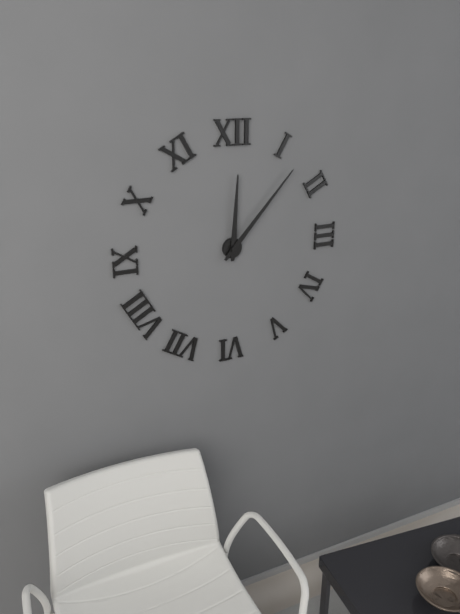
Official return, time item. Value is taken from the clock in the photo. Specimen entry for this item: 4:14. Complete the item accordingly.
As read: 12:07
